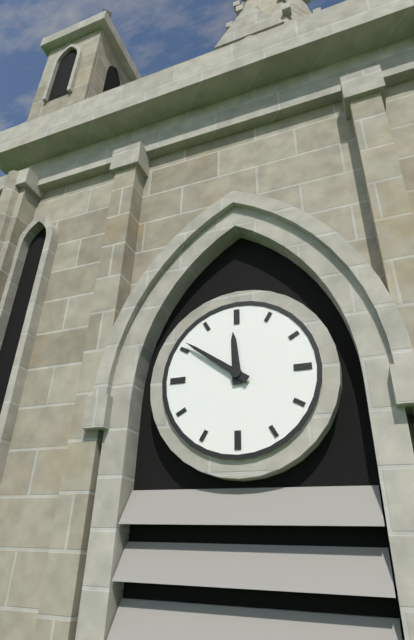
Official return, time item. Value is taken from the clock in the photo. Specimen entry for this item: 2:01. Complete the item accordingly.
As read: 11:51
